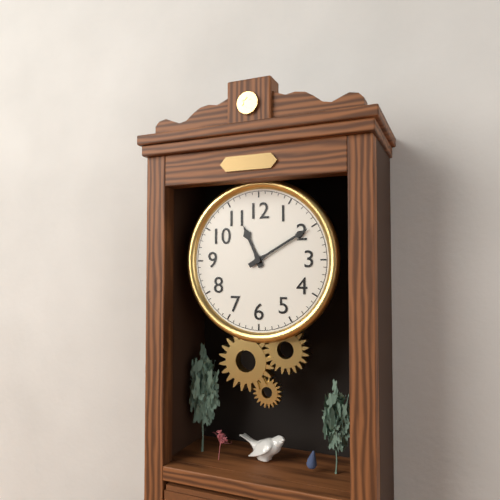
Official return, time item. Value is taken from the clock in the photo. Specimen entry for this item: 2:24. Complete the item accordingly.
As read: 11:10
